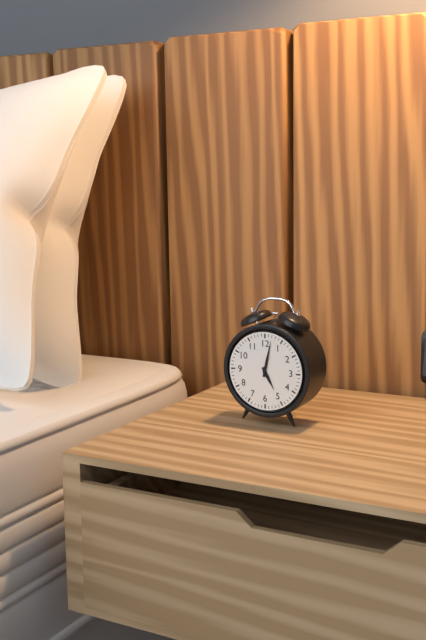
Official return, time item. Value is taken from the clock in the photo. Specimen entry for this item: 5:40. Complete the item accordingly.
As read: 5:02
